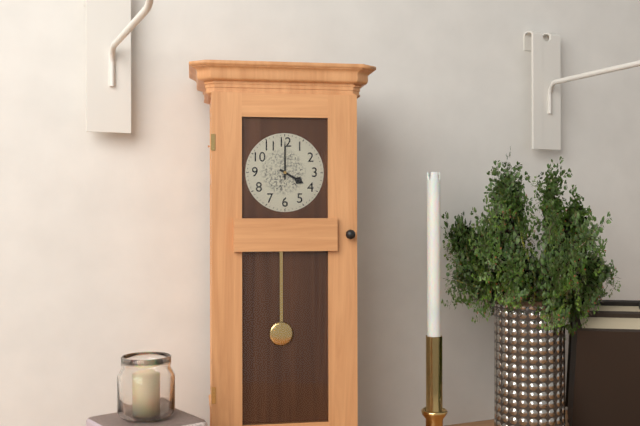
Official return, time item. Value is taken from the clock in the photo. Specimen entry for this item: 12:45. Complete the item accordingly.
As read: 4:00
